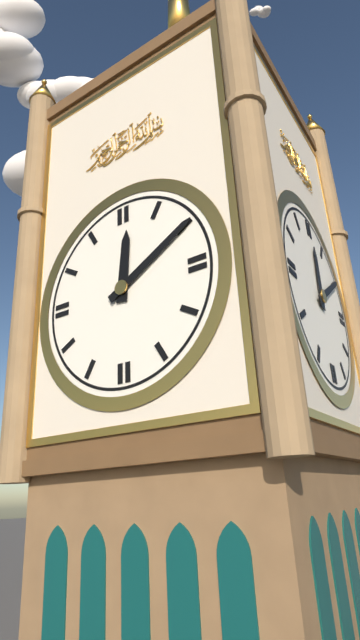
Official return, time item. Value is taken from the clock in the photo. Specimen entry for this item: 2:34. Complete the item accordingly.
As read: 12:10
